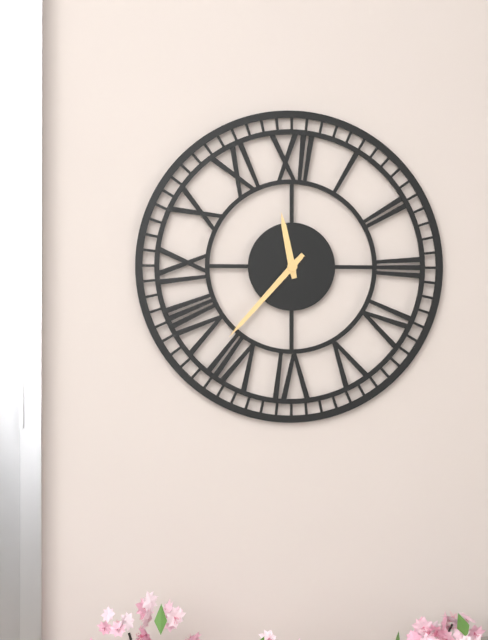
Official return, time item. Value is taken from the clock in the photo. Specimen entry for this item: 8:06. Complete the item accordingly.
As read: 11:37
